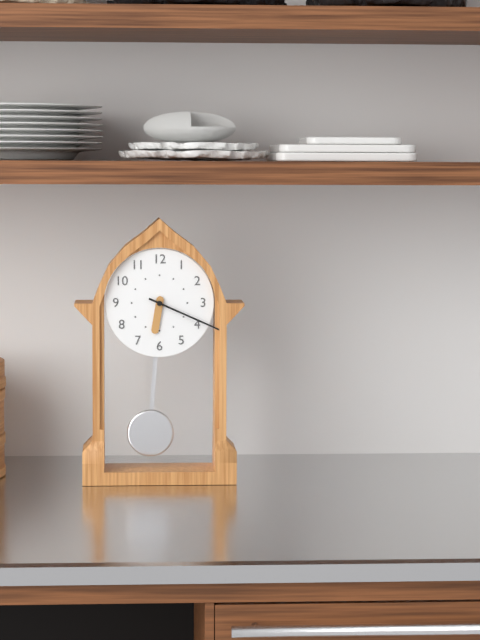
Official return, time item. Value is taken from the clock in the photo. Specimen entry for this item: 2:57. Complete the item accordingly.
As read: 6:19
